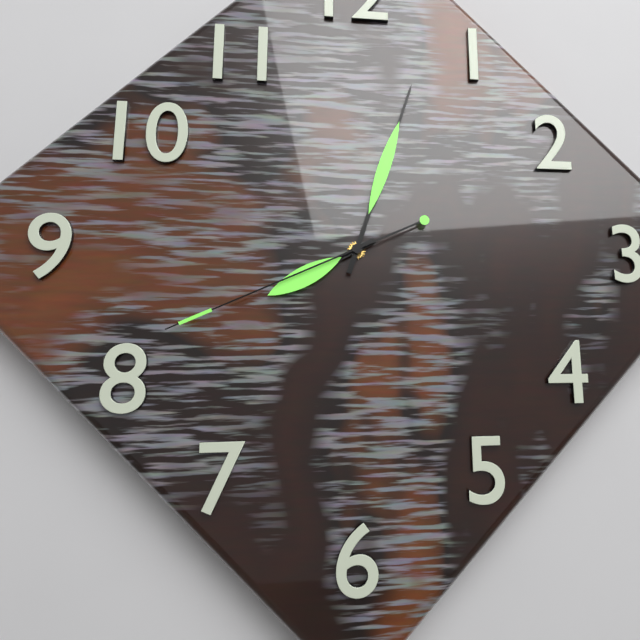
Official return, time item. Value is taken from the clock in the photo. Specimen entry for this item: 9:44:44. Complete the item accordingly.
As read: 8:03:41
